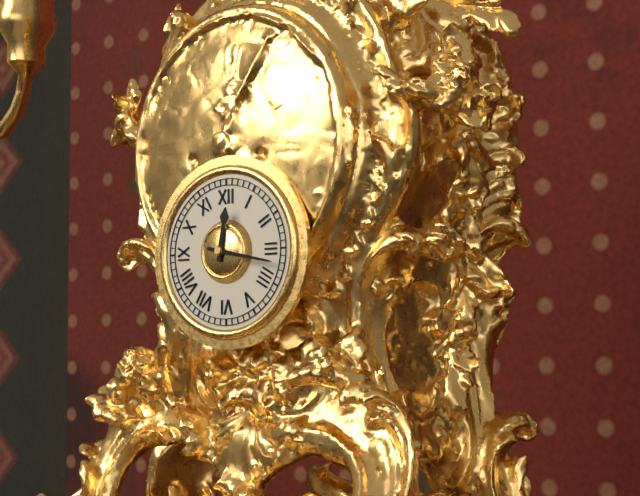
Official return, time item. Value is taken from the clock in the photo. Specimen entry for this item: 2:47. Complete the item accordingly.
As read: 12:17
